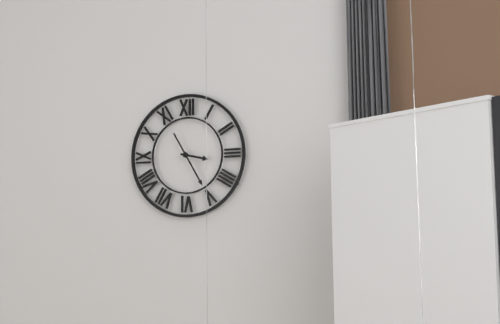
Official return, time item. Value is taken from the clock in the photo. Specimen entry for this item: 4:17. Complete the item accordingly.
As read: 3:25
